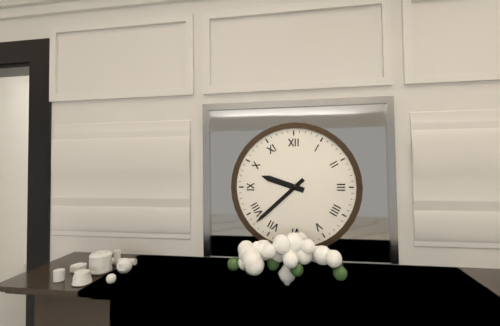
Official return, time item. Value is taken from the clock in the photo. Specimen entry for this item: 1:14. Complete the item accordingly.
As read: 9:38
